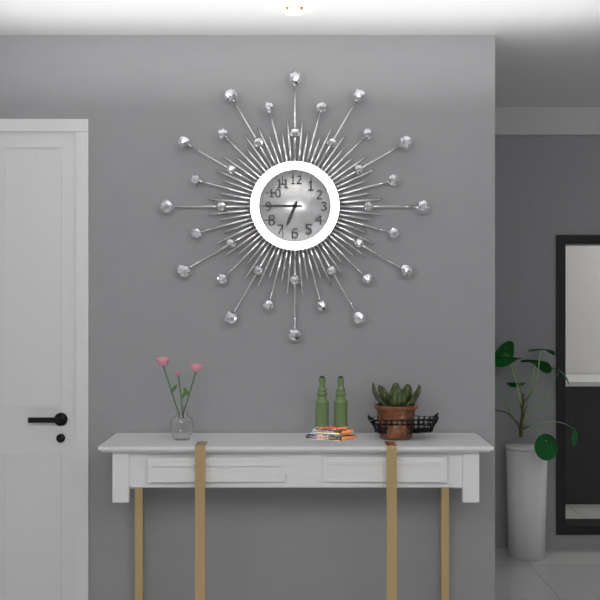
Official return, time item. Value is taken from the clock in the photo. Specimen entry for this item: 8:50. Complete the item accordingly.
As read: 6:45
